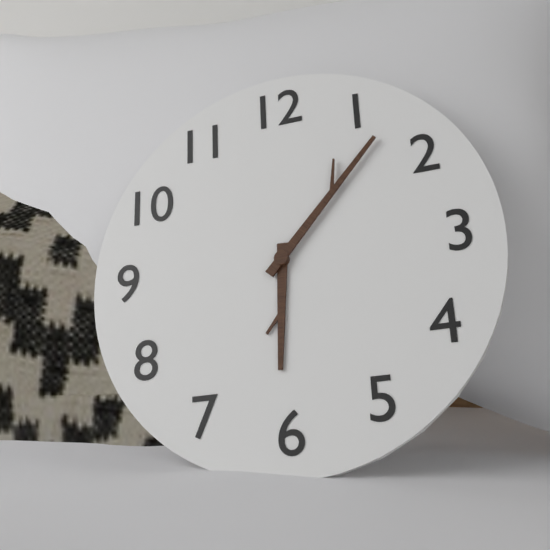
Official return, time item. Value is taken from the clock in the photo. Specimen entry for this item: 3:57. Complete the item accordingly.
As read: 6:07
